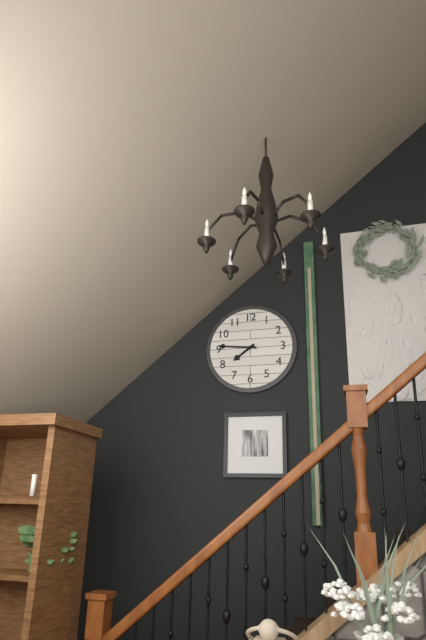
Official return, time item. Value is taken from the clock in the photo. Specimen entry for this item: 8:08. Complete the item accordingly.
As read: 7:46
